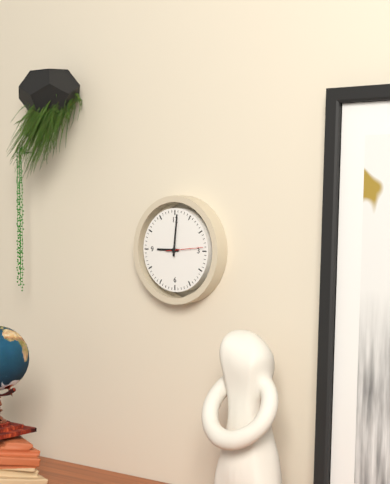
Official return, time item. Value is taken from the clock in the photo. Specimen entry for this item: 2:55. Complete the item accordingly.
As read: 9:01
